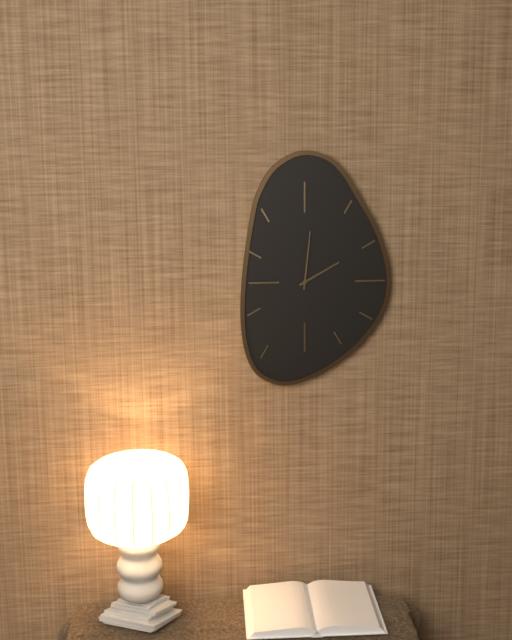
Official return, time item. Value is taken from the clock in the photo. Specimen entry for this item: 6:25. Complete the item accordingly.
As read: 2:01
